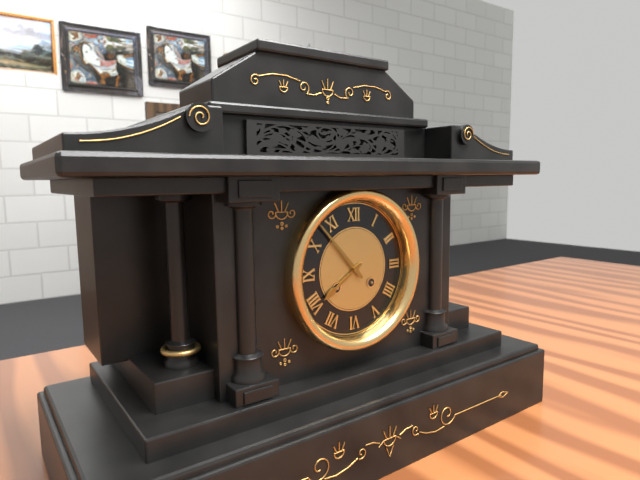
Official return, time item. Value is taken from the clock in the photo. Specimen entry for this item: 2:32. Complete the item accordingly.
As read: 7:53
